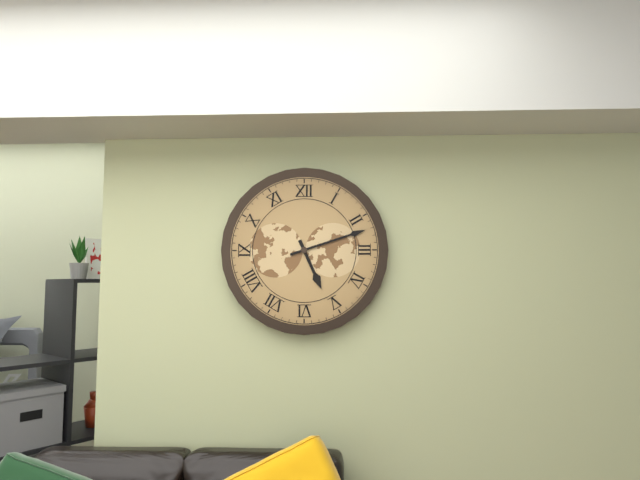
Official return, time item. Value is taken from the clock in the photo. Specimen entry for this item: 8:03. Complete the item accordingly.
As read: 5:12
